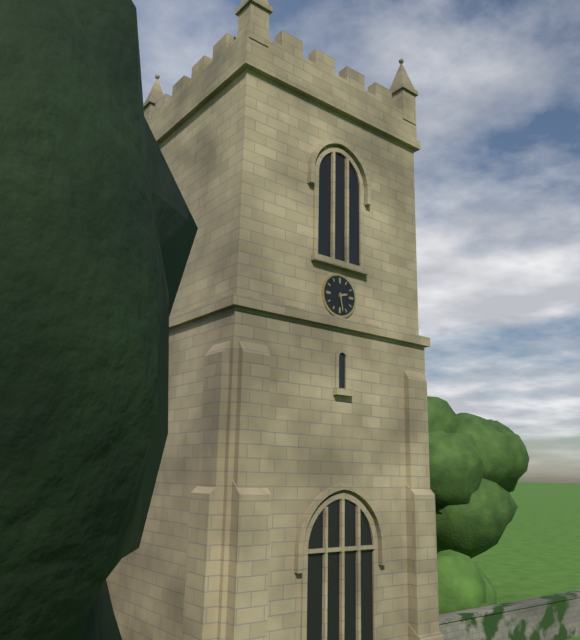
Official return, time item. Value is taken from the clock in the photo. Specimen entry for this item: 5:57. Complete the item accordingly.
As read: 2:28
